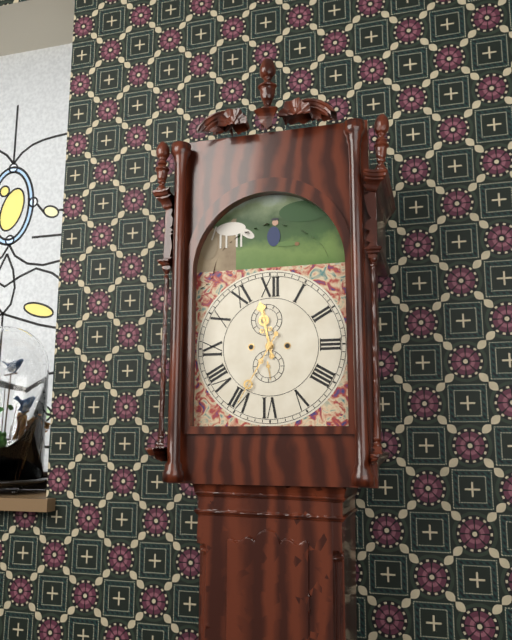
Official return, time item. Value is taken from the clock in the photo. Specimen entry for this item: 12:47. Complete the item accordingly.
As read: 11:35
